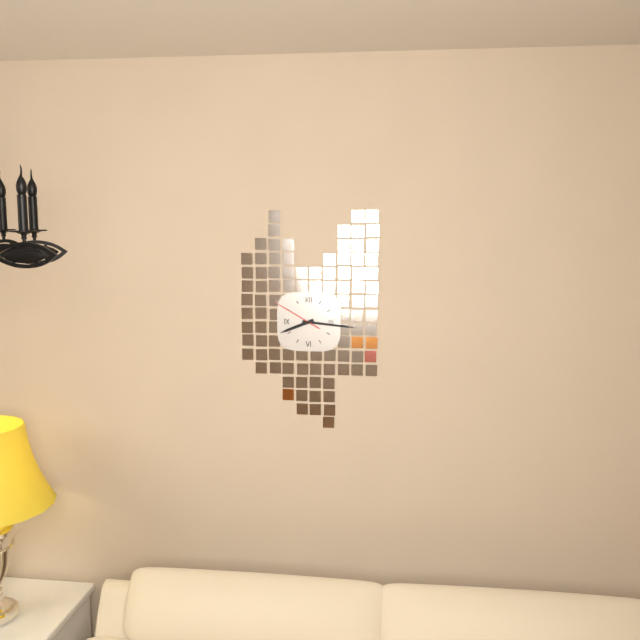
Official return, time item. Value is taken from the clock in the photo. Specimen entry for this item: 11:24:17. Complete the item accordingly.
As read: 8:16:50
